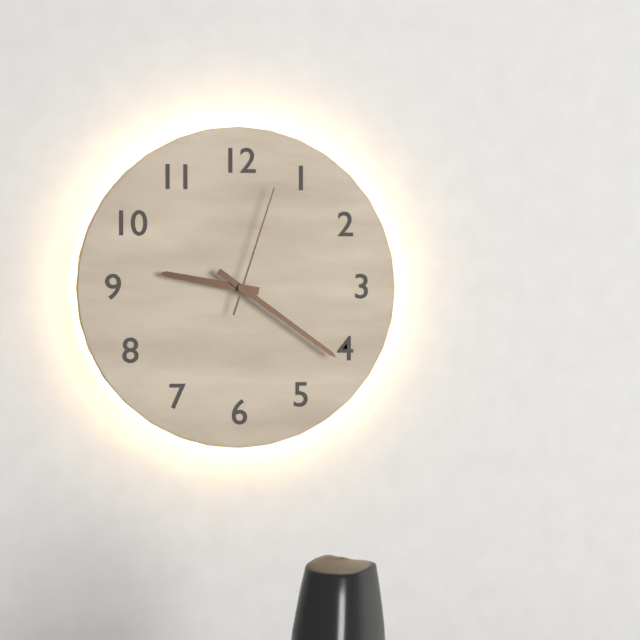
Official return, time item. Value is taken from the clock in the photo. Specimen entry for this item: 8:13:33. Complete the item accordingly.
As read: 9:21:03
